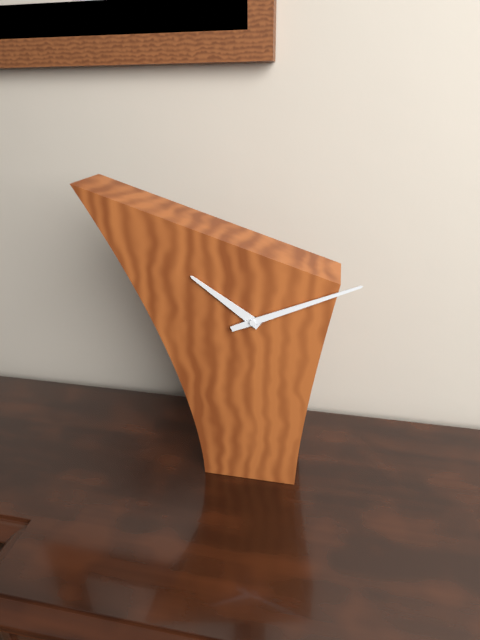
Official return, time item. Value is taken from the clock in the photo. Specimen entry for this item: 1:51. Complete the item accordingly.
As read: 10:11
